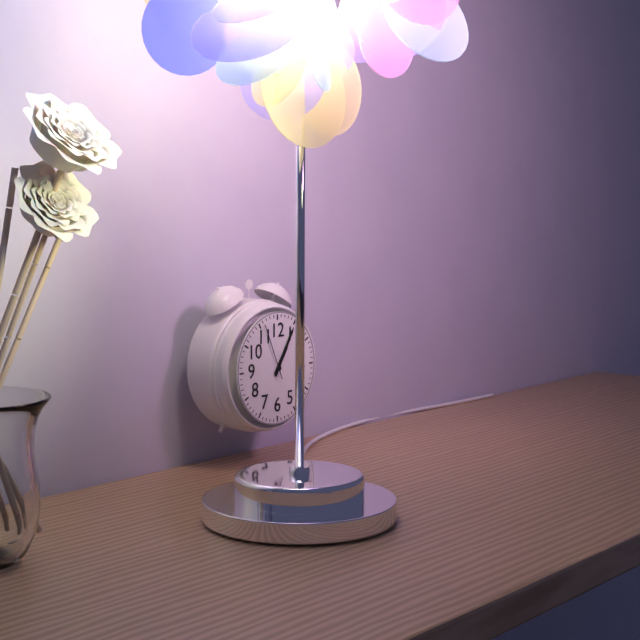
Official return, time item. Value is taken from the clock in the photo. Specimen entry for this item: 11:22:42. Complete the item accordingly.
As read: 1:05:56
